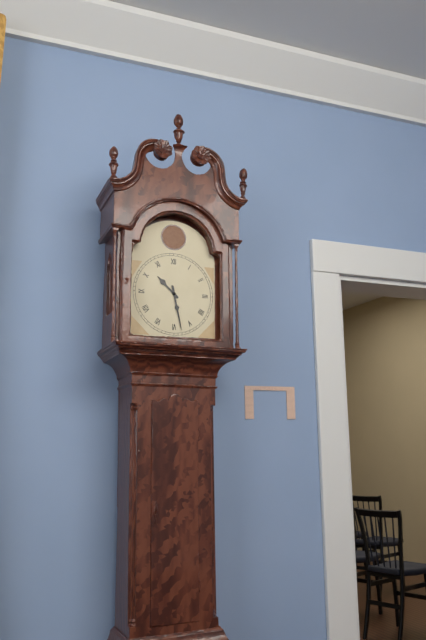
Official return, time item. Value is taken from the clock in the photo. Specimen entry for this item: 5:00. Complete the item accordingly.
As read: 10:28
